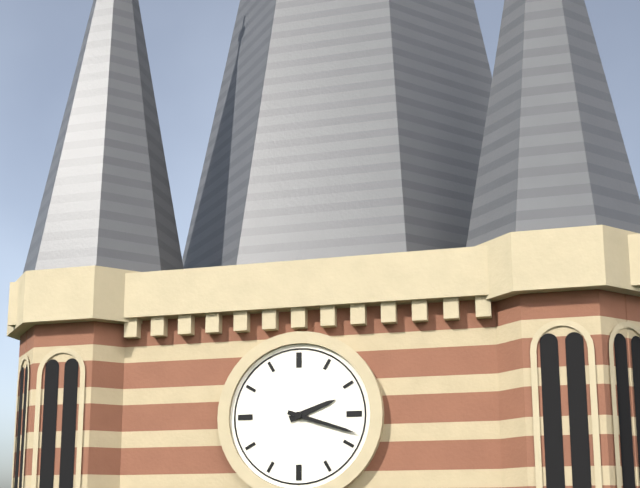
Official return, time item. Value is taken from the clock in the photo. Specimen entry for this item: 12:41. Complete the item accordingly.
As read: 2:18
